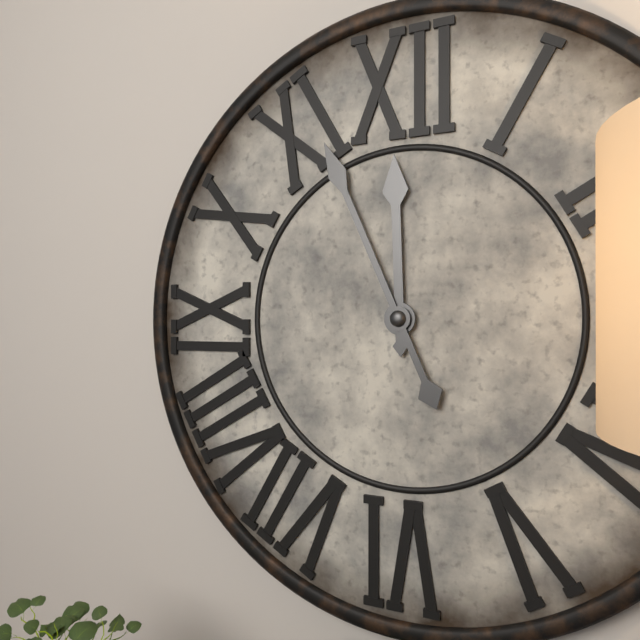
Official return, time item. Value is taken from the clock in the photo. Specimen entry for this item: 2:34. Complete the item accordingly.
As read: 11:56
